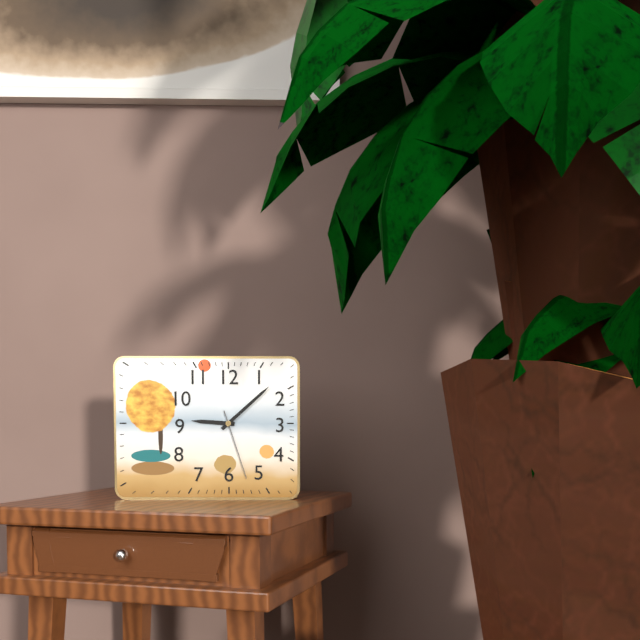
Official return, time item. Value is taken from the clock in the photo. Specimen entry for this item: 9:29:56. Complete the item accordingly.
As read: 9:08:27
